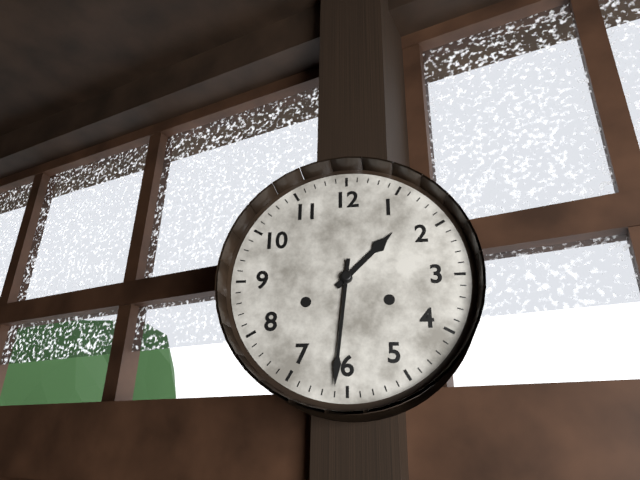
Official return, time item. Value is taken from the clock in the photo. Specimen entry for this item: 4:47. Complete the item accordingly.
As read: 1:31
